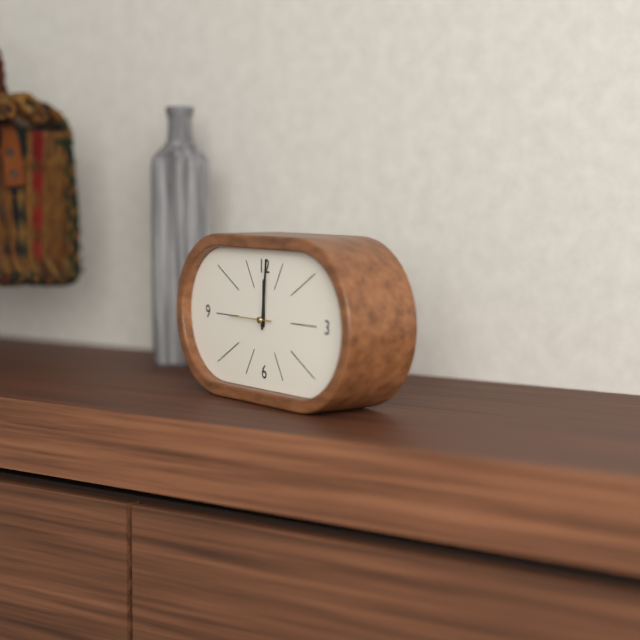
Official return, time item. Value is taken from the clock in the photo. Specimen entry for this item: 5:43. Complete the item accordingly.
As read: 12:01
